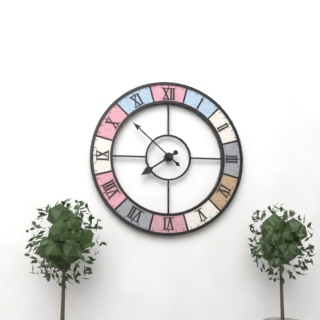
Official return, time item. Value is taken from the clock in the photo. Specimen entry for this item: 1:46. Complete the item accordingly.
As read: 7:52
